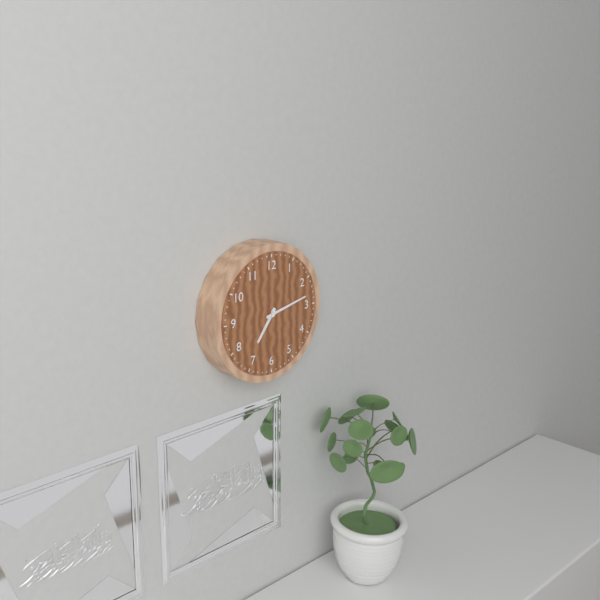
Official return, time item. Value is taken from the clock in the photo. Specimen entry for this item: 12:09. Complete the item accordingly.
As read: 7:13
